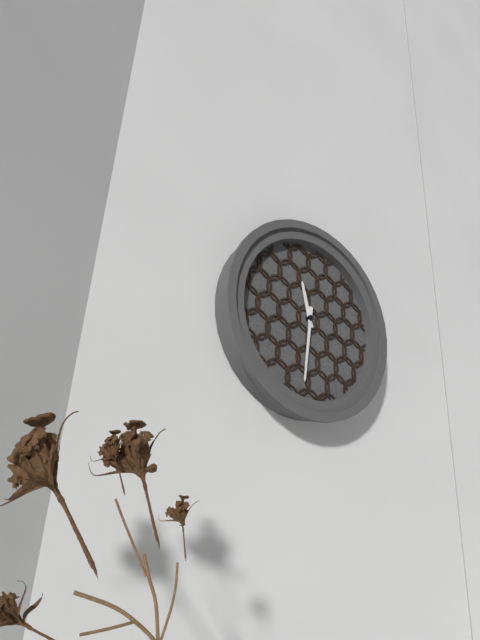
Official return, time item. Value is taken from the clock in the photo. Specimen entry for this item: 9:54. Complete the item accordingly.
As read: 11:31
